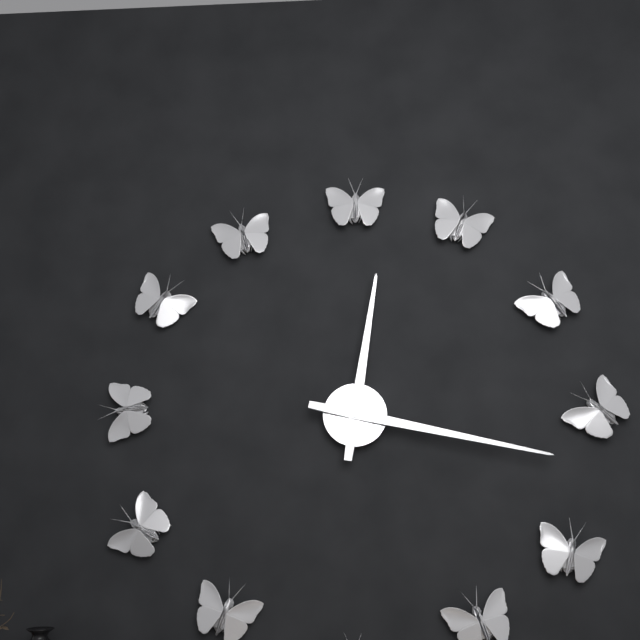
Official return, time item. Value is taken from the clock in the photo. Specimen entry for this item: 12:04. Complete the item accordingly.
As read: 12:17
